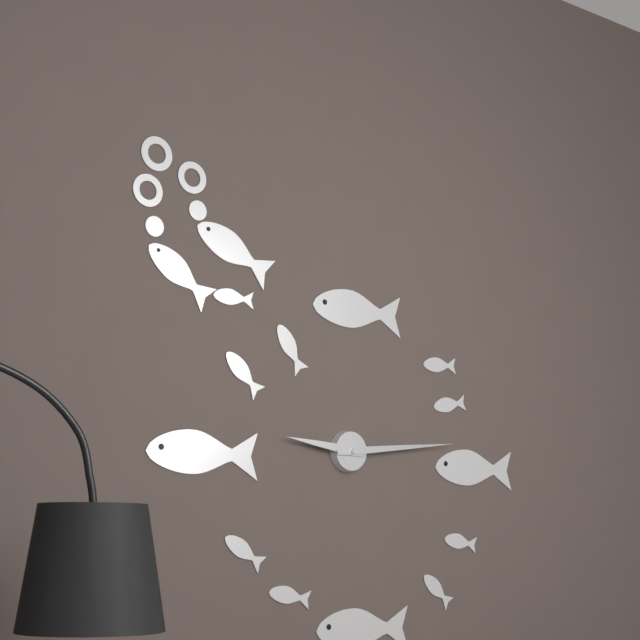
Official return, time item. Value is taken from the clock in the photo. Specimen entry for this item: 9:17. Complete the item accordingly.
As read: 9:14
